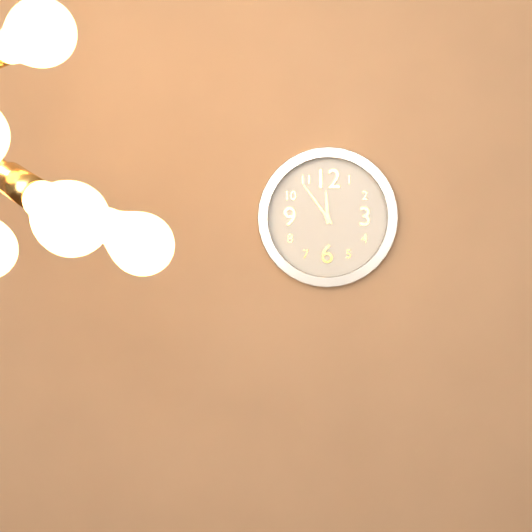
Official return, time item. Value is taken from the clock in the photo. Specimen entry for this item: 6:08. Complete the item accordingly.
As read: 11:54
